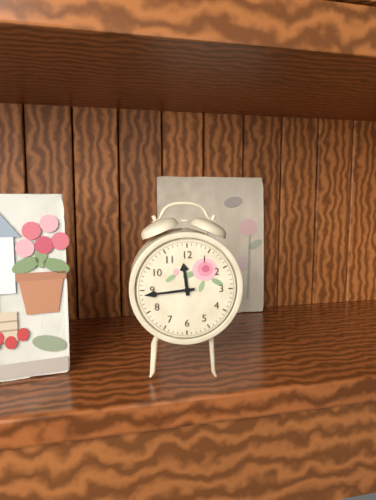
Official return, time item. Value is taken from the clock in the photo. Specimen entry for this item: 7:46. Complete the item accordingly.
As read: 11:44
